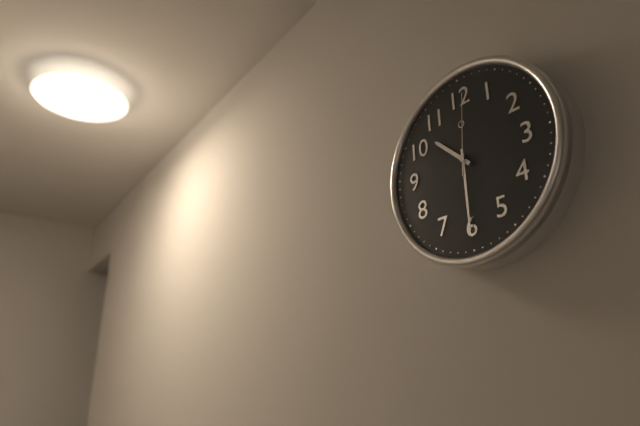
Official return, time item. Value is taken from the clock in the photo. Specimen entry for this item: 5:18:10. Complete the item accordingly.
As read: 10:30:01
